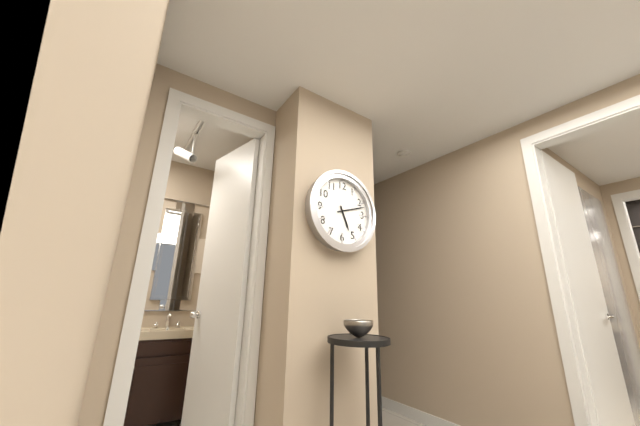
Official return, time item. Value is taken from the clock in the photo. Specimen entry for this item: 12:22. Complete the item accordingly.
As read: 5:12
